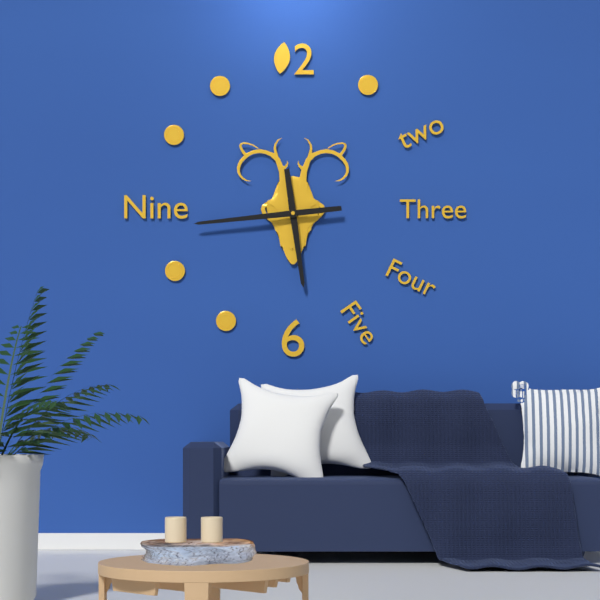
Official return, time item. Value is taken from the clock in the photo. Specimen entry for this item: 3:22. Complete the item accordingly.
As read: 5:44
